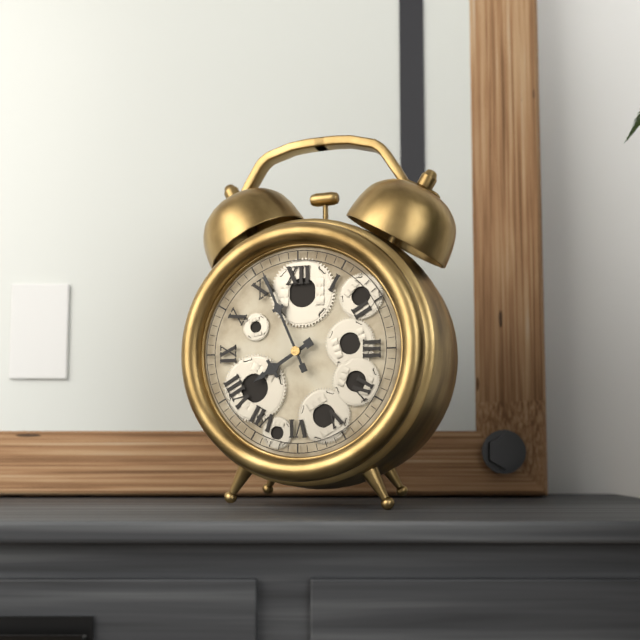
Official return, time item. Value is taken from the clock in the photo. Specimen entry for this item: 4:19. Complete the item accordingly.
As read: 7:56
